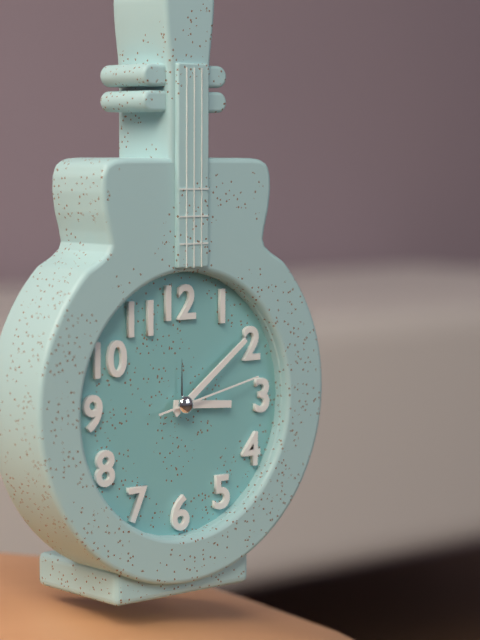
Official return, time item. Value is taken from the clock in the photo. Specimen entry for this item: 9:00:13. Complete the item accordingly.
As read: 3:09:13
